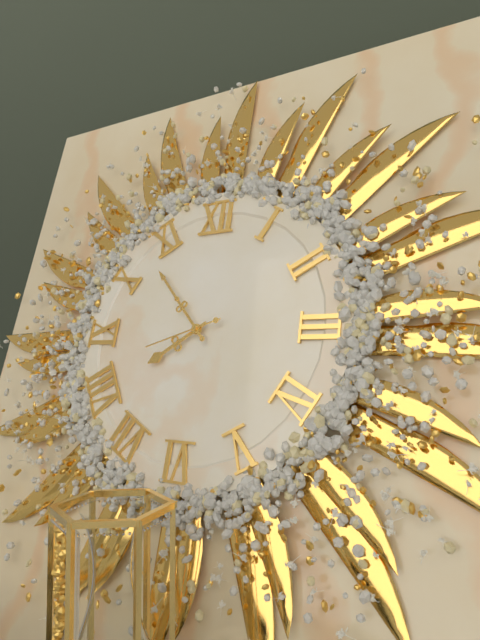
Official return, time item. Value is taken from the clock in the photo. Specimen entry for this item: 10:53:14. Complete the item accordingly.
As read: 7:53:42
